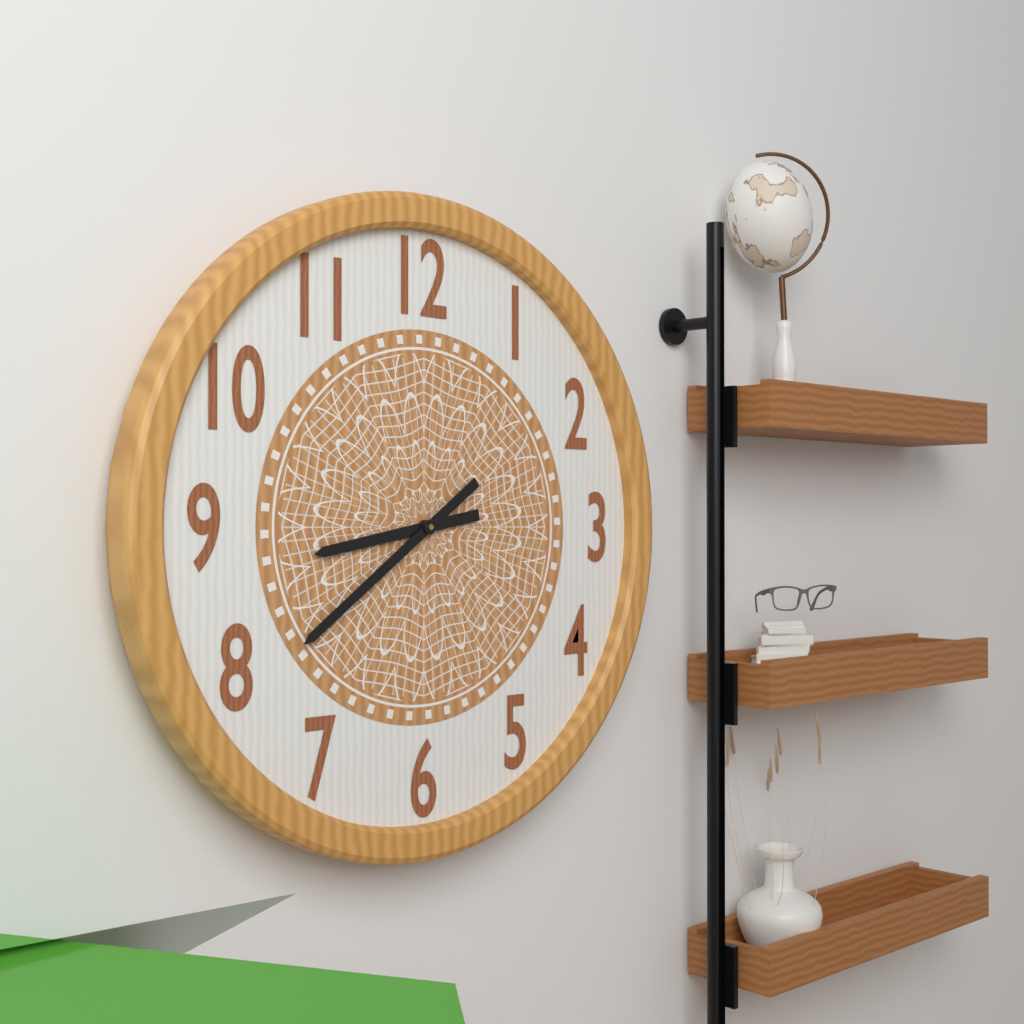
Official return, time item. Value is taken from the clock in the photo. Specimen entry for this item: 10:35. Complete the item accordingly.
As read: 8:39
